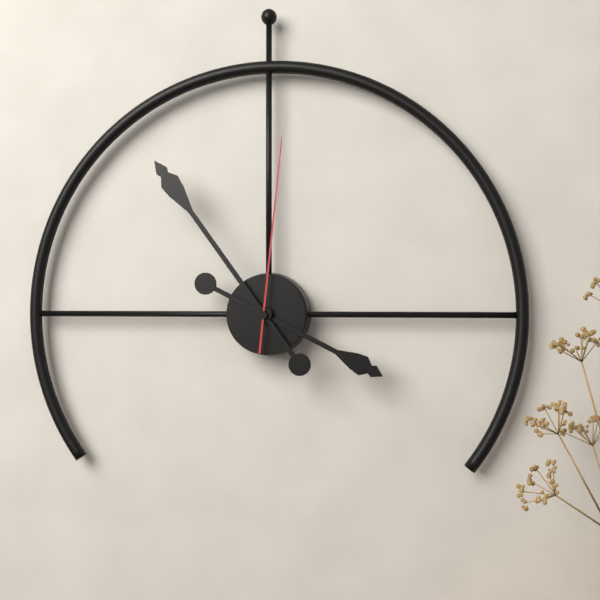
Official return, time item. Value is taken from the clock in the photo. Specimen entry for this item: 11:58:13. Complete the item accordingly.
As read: 3:54:01
